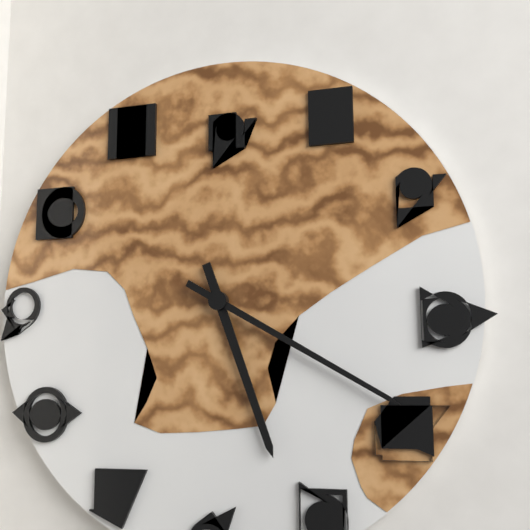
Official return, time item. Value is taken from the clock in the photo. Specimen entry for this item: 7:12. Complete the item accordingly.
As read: 5:20
